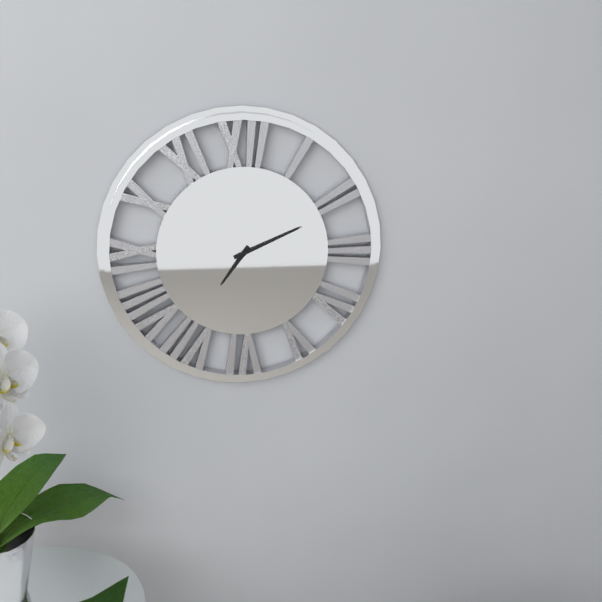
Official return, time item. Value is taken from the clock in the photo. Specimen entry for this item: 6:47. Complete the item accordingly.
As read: 7:11
